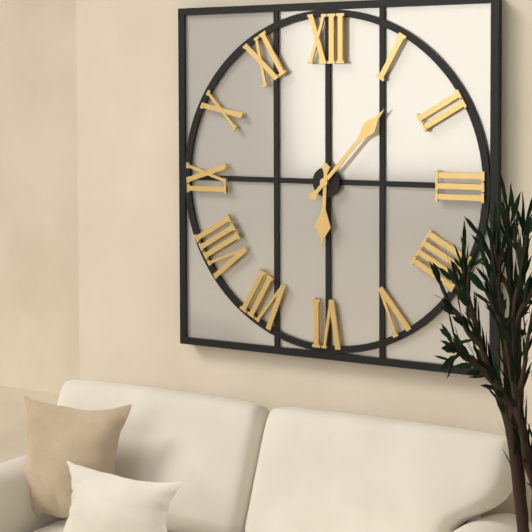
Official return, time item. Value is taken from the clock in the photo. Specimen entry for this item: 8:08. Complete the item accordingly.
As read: 6:07
